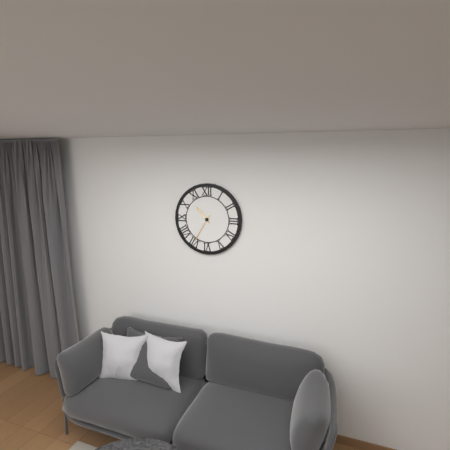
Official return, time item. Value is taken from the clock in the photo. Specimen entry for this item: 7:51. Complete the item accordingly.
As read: 10:35
